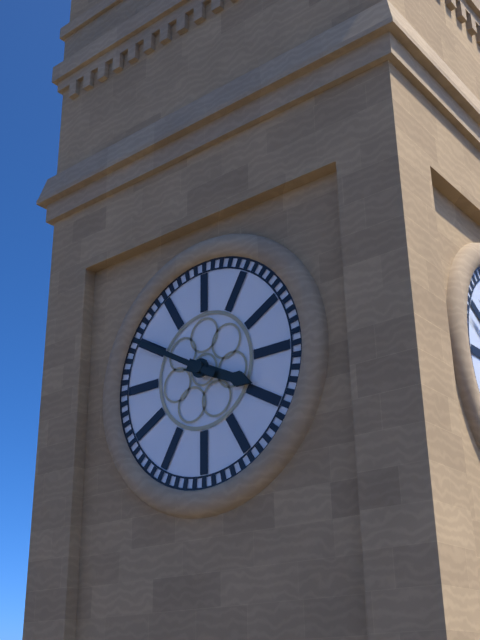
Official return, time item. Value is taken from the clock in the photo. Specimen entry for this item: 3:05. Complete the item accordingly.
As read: 3:50
